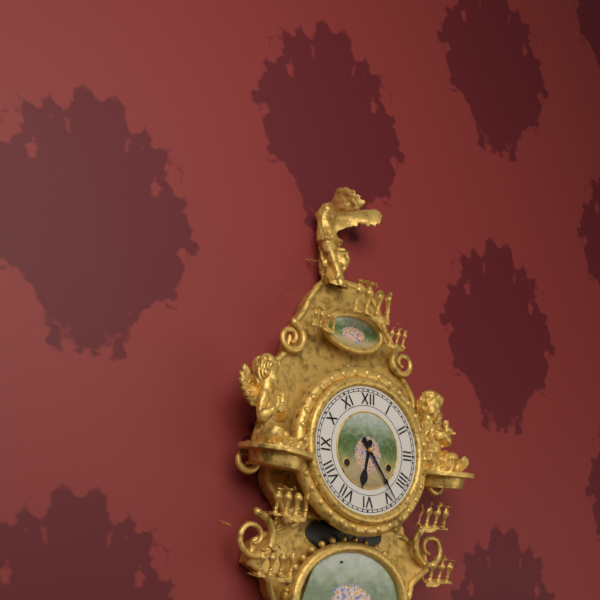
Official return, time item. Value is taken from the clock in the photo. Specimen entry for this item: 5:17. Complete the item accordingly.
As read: 6:24
